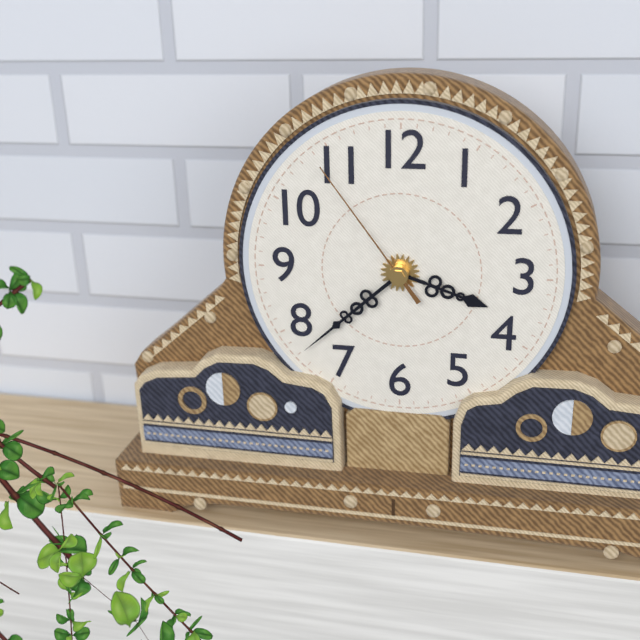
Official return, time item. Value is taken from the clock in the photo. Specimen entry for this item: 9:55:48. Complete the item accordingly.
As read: 3:38:54
